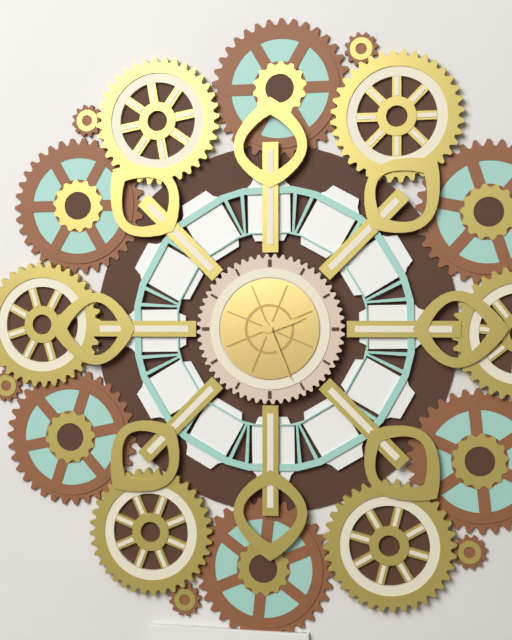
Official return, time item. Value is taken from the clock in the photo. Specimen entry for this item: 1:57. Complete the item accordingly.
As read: 2:26
